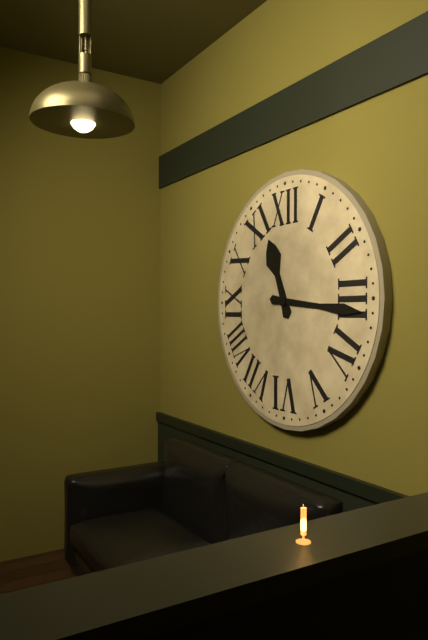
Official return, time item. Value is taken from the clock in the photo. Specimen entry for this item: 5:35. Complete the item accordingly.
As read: 11:16
